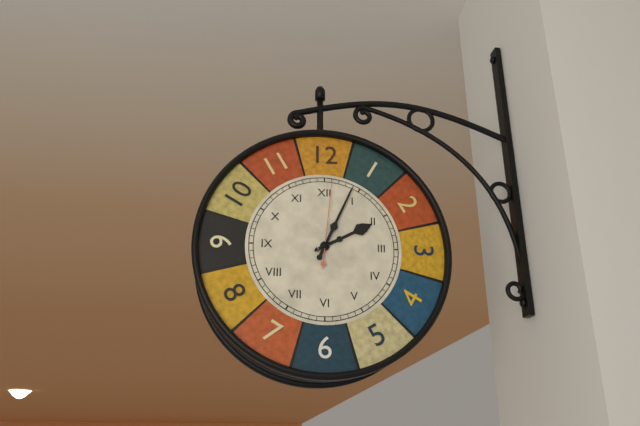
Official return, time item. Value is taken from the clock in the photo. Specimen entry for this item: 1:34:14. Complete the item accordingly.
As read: 2:04:01
